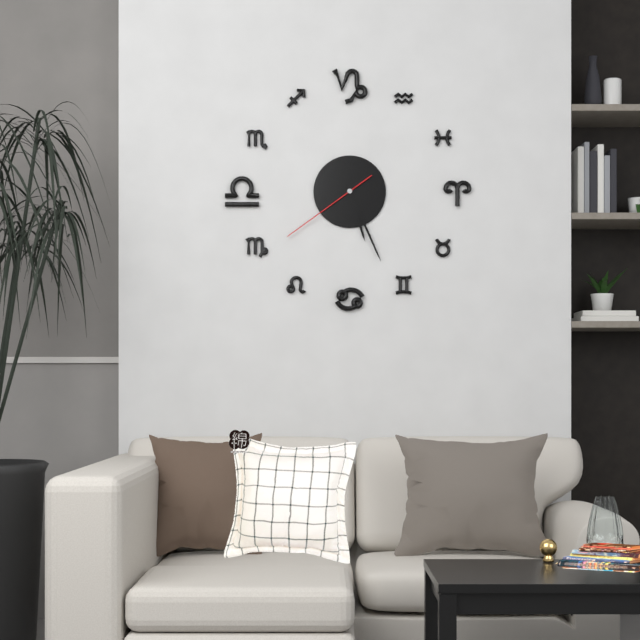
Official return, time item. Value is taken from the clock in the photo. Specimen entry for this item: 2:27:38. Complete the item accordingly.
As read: 5:26:39
